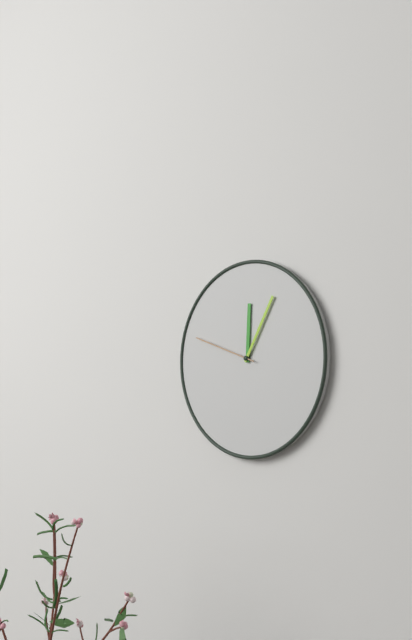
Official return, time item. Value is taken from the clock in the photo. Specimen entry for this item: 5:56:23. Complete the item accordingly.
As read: 12:05:48
